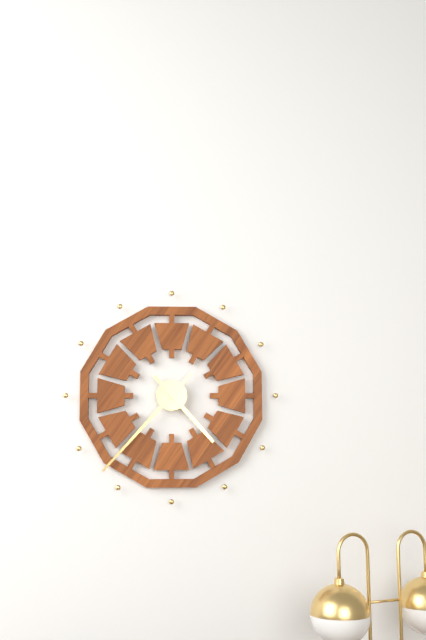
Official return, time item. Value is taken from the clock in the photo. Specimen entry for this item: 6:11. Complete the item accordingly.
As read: 4:37
